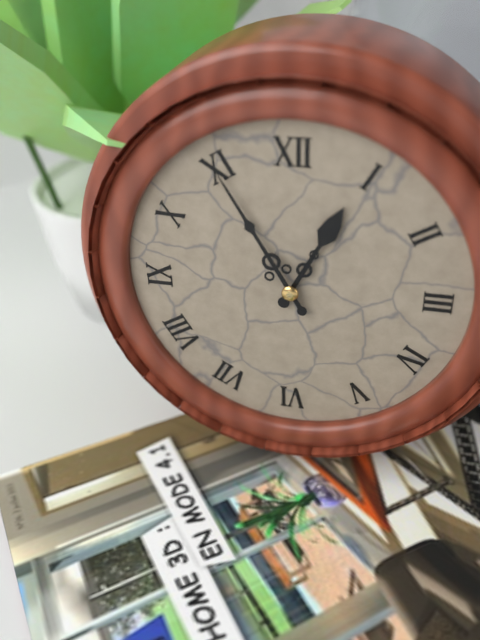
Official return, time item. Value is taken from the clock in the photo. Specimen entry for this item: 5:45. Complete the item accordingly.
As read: 12:55
